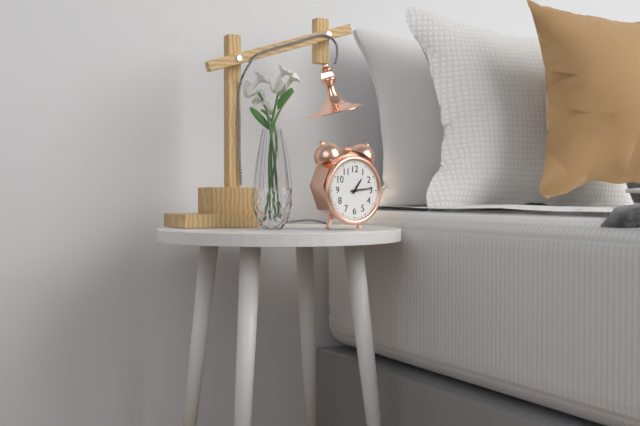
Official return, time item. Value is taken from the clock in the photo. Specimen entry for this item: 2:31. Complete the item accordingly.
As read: 1:14
